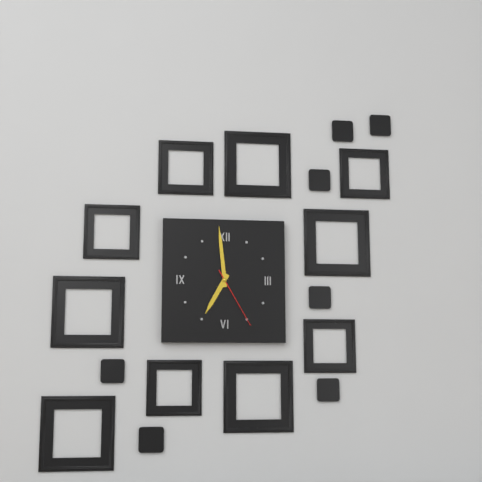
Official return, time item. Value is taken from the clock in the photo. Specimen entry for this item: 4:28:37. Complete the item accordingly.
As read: 6:59:25
